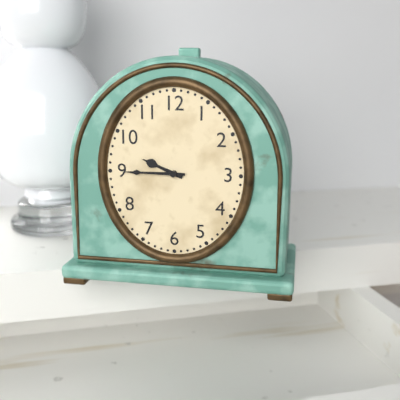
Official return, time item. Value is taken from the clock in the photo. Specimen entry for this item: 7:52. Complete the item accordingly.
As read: 9:45
